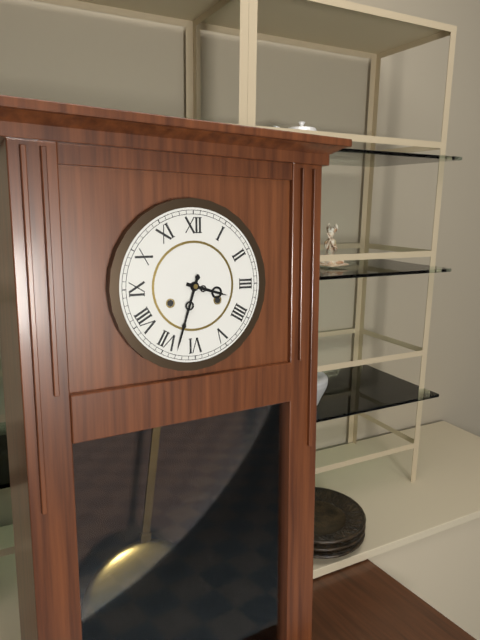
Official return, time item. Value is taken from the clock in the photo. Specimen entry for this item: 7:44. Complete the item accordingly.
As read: 3:33
